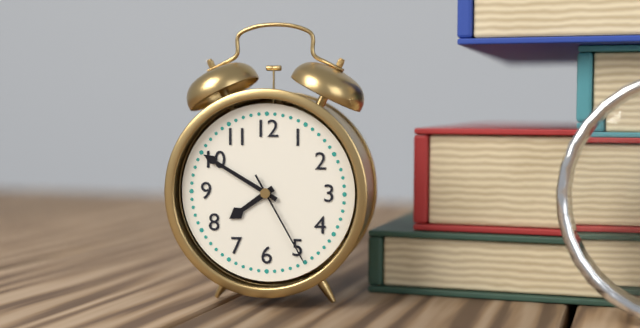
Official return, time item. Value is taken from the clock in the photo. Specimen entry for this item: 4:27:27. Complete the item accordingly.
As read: 7:50:25
